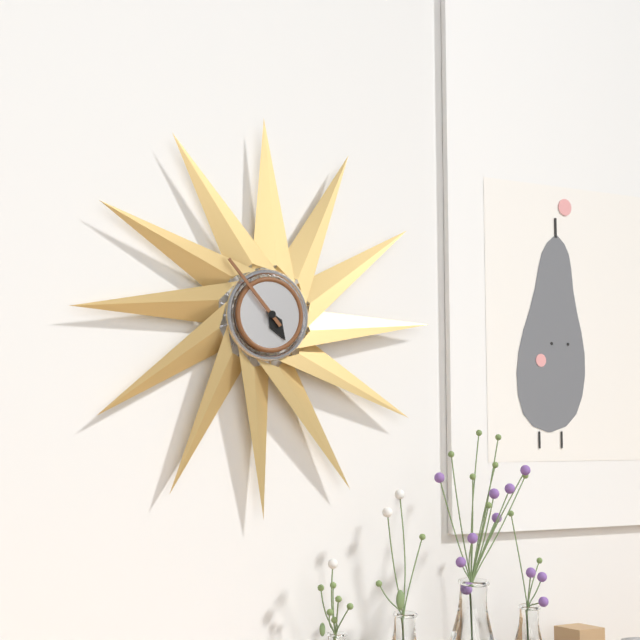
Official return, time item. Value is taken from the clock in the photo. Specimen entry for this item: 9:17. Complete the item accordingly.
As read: 4:53
